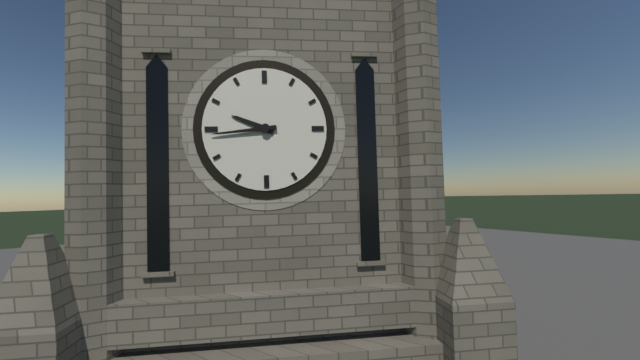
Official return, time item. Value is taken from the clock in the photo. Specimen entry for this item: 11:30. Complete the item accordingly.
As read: 9:44
